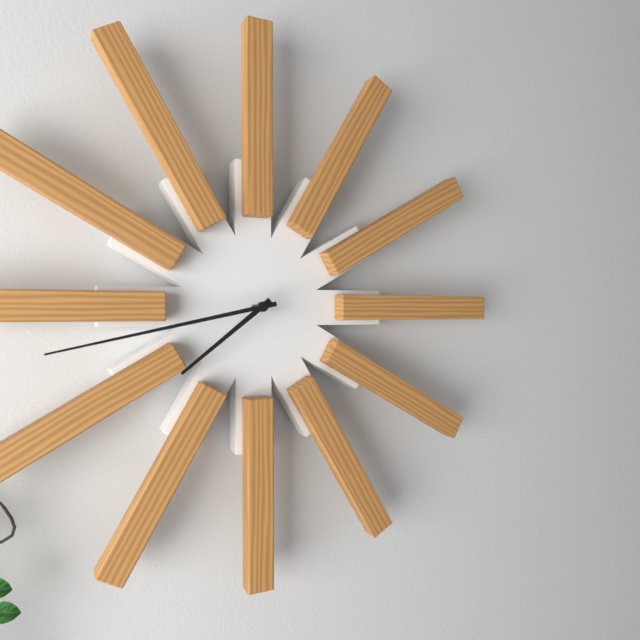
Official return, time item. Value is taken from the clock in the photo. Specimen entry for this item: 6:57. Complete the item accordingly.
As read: 7:43
